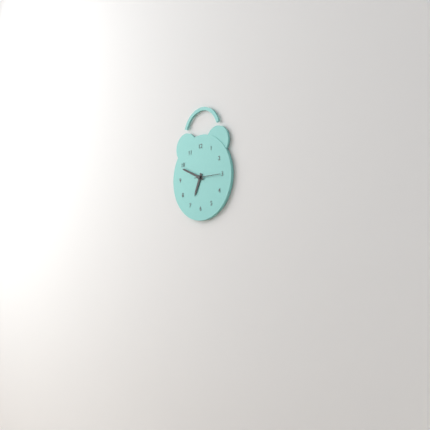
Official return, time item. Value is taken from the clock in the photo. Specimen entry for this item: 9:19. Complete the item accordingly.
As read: 6:49
